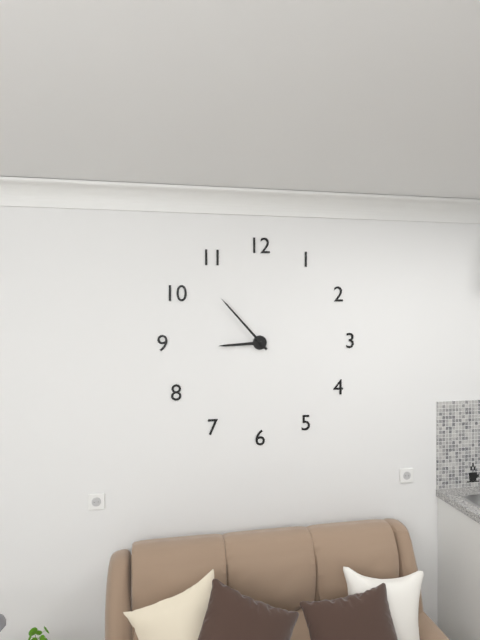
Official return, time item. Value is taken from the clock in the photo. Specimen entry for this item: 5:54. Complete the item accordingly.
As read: 8:53
